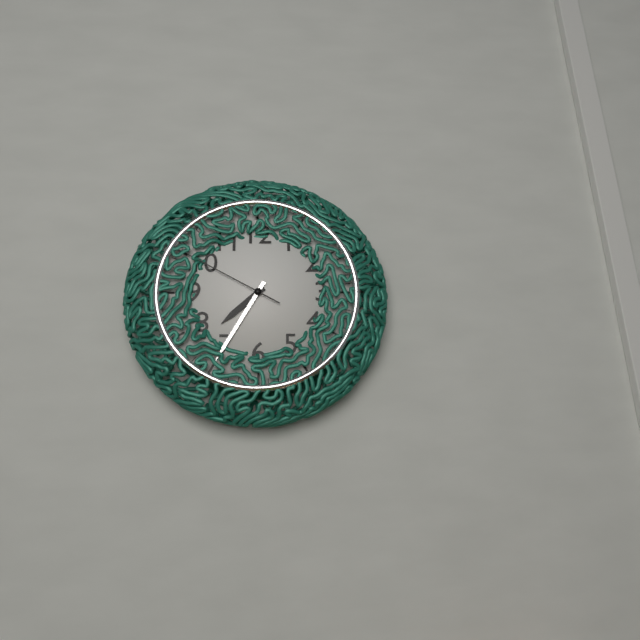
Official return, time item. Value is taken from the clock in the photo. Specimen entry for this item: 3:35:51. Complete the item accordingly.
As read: 7:35:50
